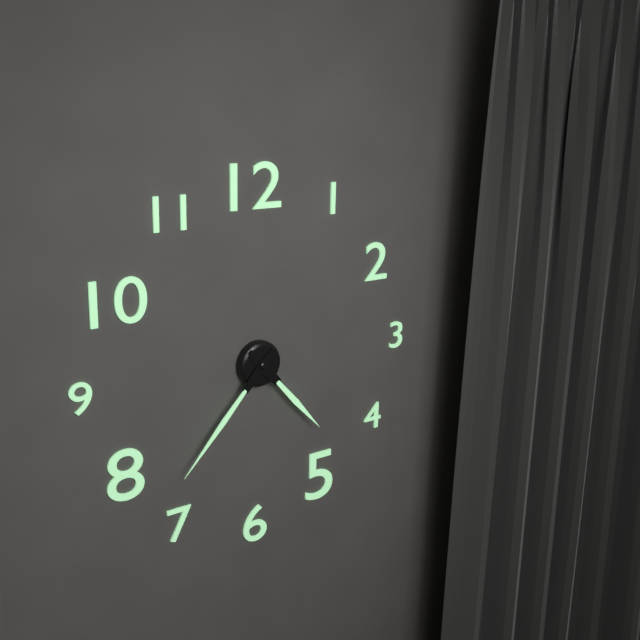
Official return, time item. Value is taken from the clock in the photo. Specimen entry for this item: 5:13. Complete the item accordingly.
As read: 4:37
